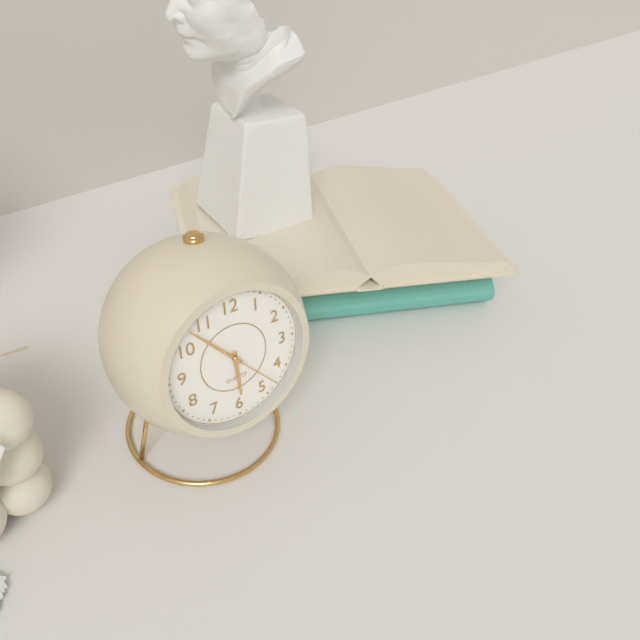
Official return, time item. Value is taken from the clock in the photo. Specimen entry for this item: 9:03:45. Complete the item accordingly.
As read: 5:53:23
